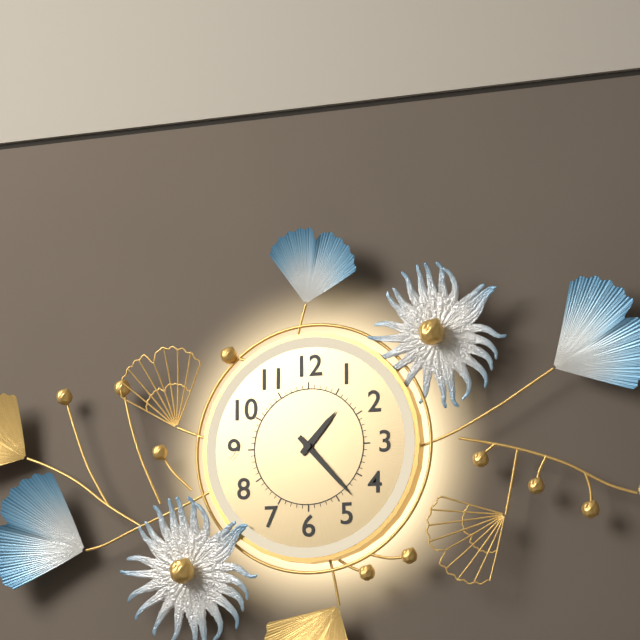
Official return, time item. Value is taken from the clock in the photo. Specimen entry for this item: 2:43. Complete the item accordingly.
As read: 1:23
